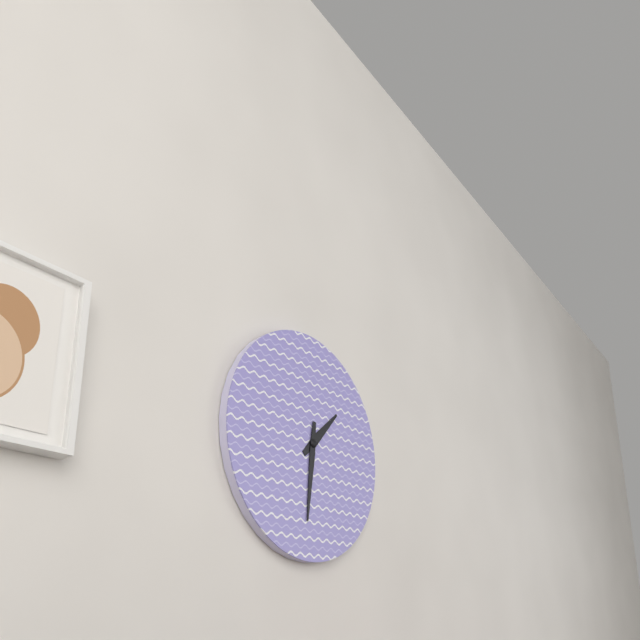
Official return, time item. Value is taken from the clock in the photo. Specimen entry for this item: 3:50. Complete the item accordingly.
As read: 1:31
